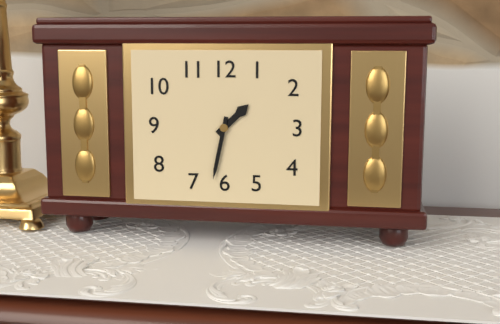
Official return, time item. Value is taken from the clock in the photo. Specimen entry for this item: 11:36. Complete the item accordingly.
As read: 1:32
